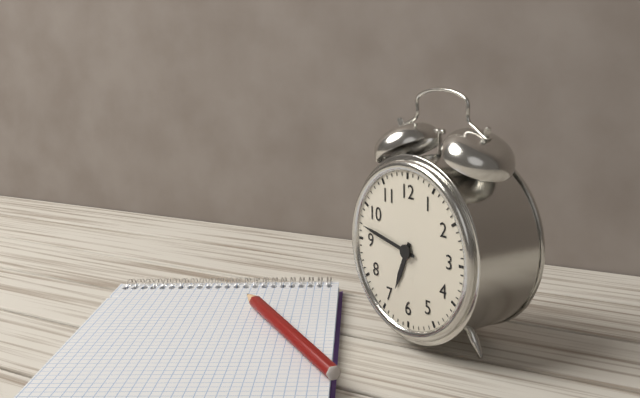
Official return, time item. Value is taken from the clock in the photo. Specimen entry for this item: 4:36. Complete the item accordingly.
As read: 6:47
